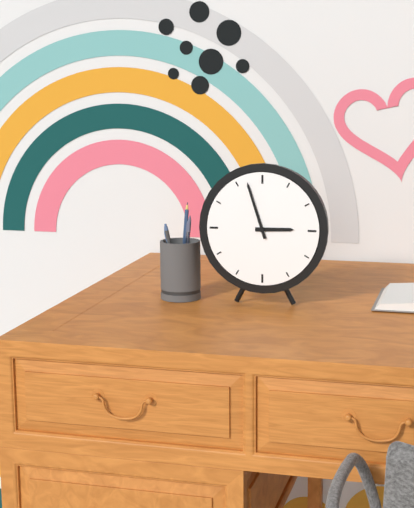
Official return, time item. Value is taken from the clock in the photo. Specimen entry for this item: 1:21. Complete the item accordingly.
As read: 2:57
